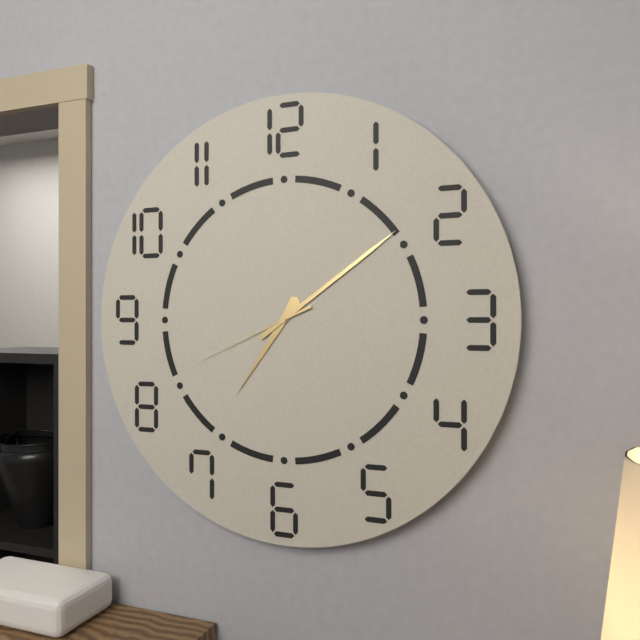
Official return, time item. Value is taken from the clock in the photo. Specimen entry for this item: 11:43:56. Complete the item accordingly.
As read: 7:09:41
